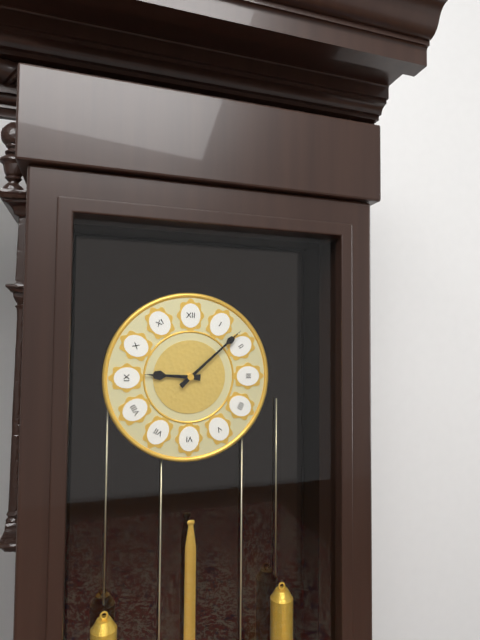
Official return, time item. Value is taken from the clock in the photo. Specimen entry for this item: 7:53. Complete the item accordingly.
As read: 9:08
